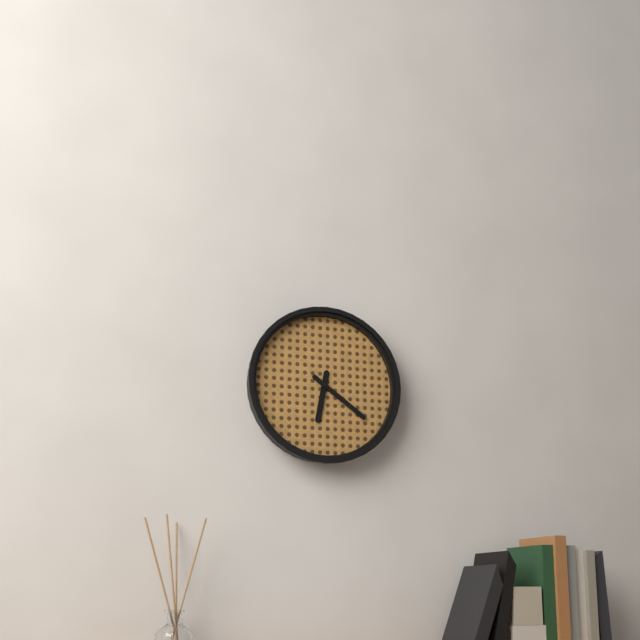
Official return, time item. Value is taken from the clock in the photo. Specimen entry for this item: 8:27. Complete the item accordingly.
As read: 6:21
